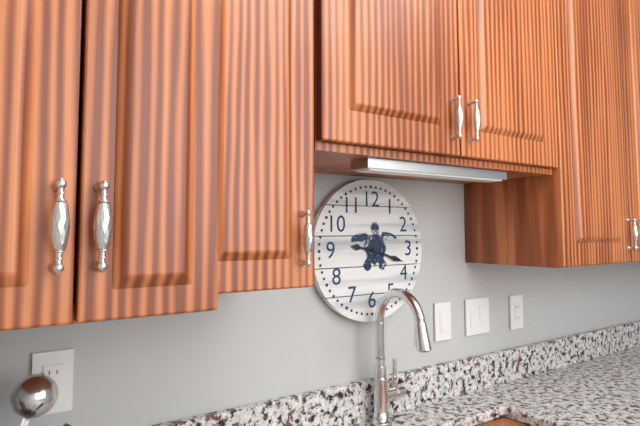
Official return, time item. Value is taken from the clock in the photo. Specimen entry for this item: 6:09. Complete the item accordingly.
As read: 9:18
